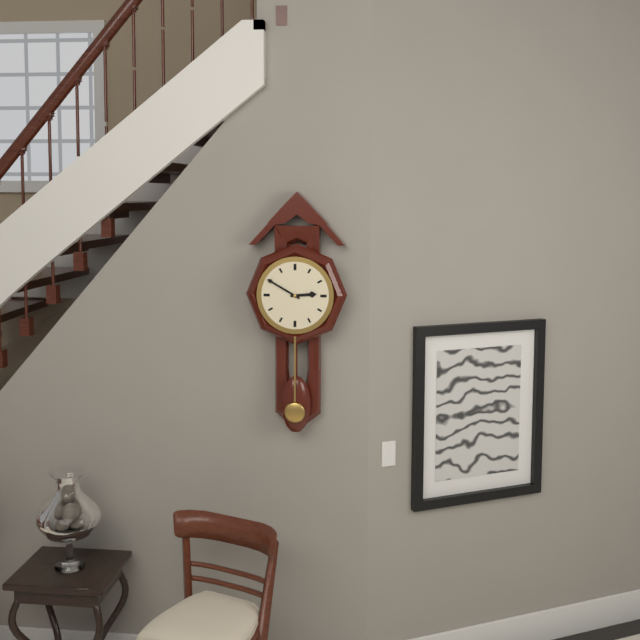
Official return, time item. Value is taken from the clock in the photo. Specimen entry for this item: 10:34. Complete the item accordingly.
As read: 2:50
